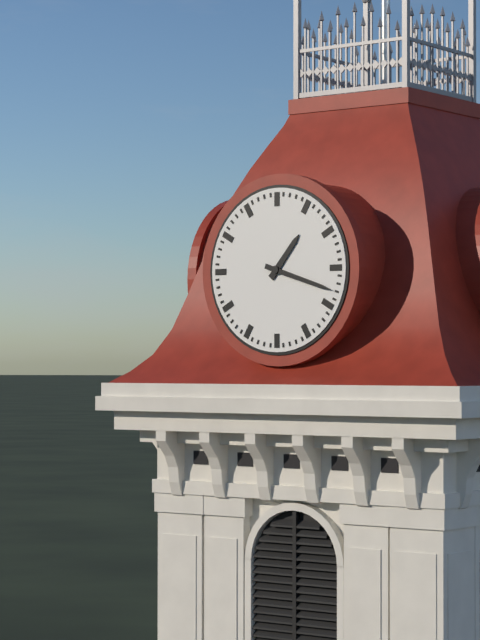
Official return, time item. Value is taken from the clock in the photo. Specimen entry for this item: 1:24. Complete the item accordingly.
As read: 1:18
